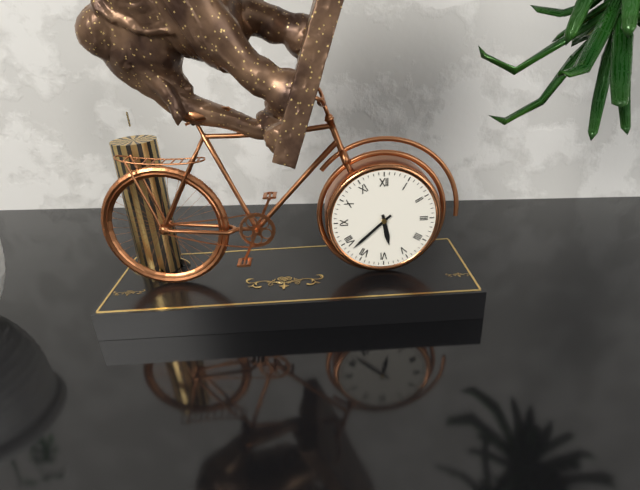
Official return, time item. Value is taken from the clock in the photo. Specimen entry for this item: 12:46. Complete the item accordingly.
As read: 5:38
